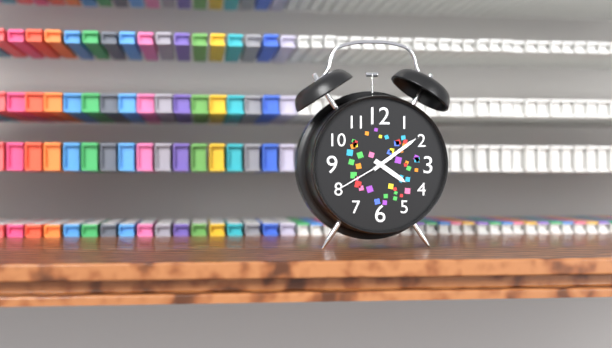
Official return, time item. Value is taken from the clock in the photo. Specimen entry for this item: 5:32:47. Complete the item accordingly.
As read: 4:09:40
